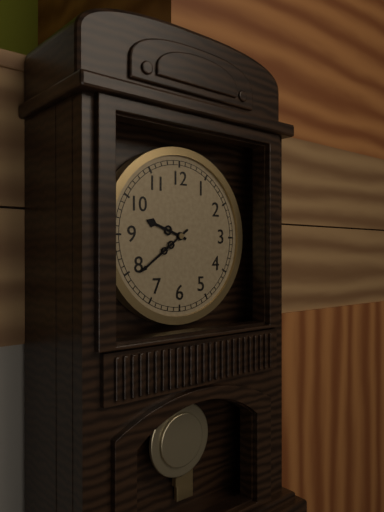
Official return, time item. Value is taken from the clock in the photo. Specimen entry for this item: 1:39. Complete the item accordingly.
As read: 9:39
